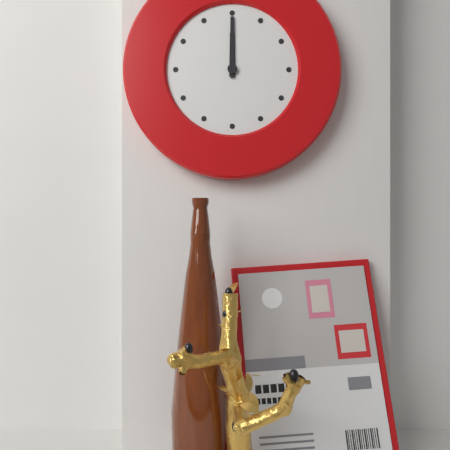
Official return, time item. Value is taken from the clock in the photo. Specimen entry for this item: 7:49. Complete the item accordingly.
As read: 12:00
